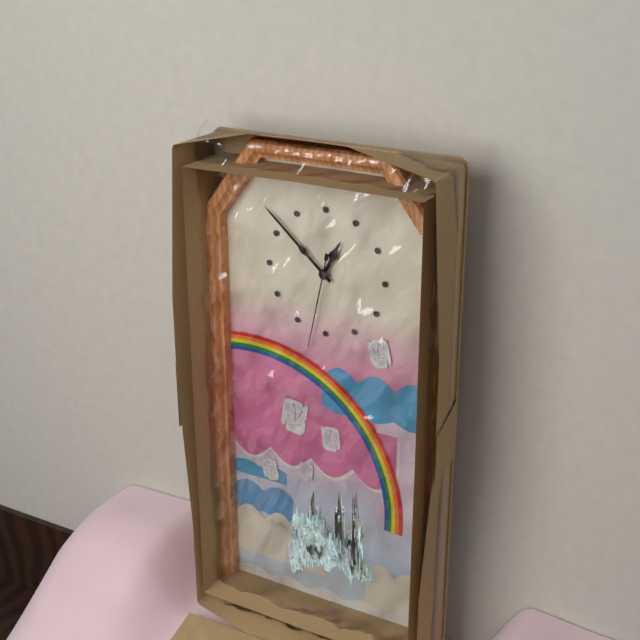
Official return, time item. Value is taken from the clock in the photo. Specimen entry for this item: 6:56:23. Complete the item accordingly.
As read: 12:52:32
